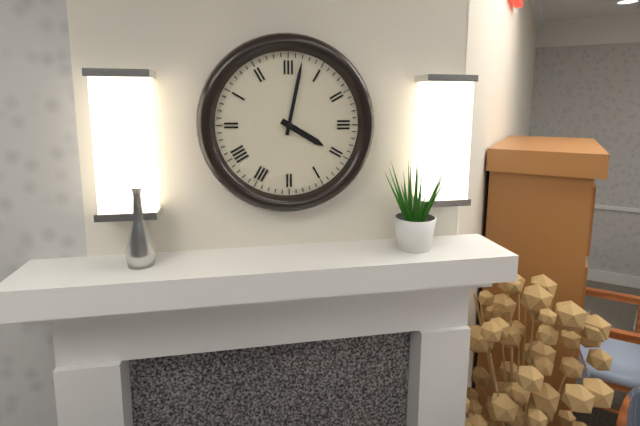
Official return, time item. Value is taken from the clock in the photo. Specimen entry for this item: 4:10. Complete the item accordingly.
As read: 4:02
